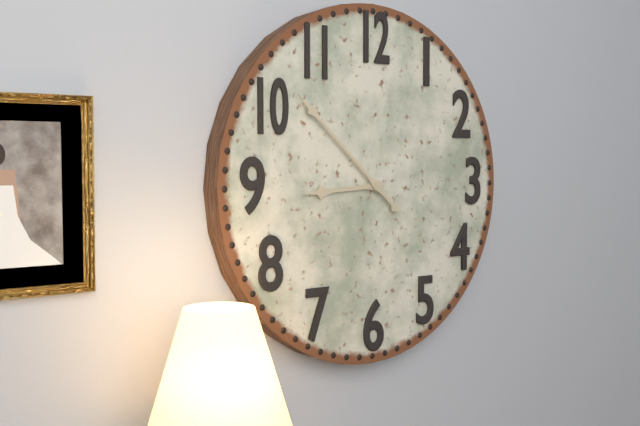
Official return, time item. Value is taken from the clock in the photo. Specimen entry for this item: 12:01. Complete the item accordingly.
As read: 8:52
